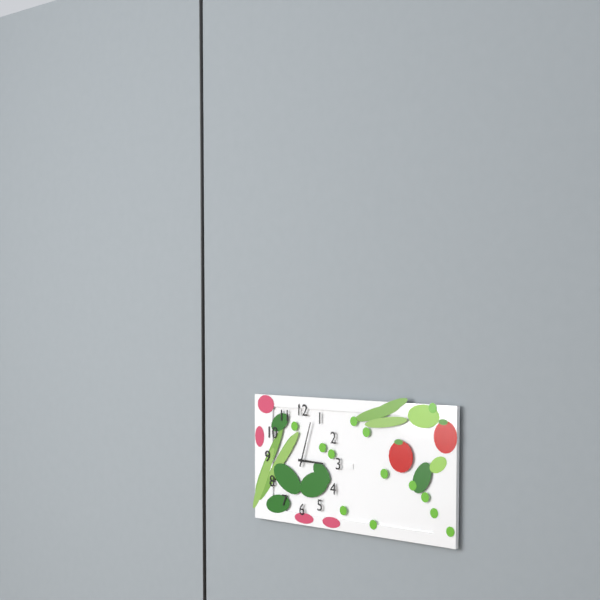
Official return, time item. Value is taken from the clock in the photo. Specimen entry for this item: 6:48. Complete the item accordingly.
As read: 3:03
